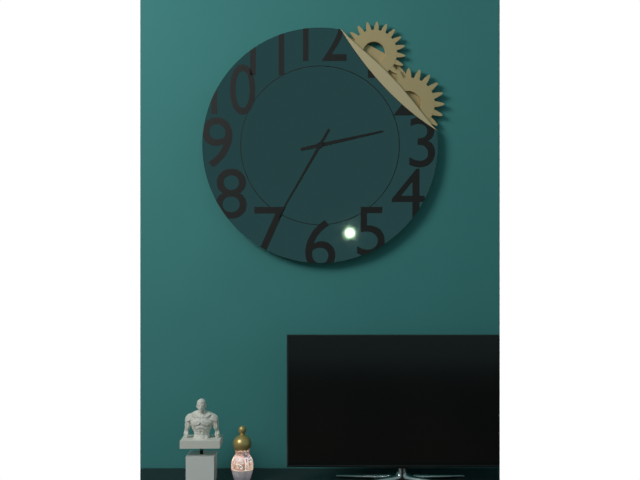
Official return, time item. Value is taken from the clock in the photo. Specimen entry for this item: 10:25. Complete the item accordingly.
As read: 2:35
